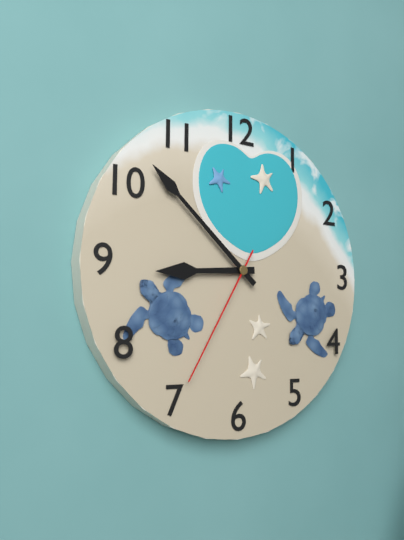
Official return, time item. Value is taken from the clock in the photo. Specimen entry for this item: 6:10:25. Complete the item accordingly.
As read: 8:52:35
